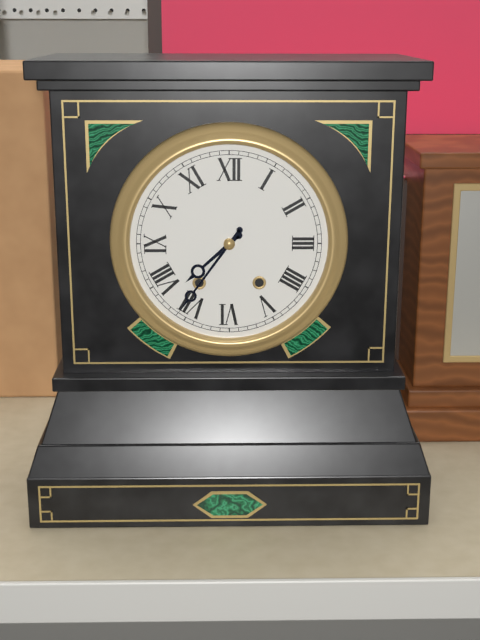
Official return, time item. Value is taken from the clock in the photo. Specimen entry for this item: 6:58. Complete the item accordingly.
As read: 7:36
